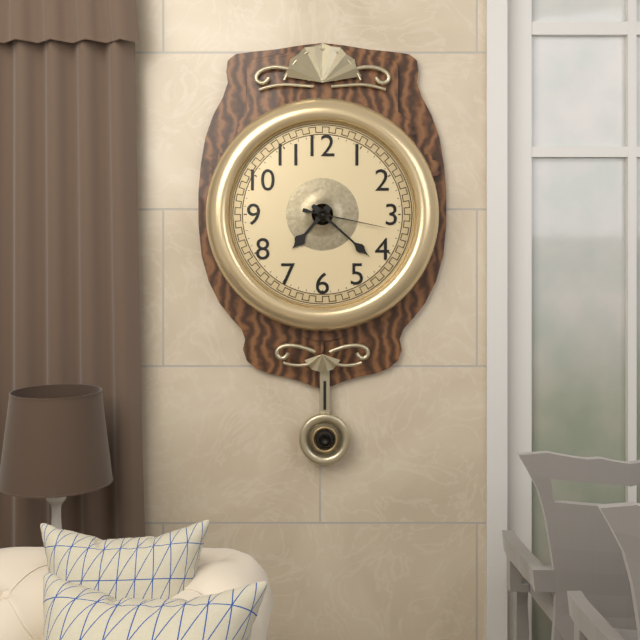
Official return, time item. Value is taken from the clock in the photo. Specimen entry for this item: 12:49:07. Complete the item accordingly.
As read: 7:22:17
